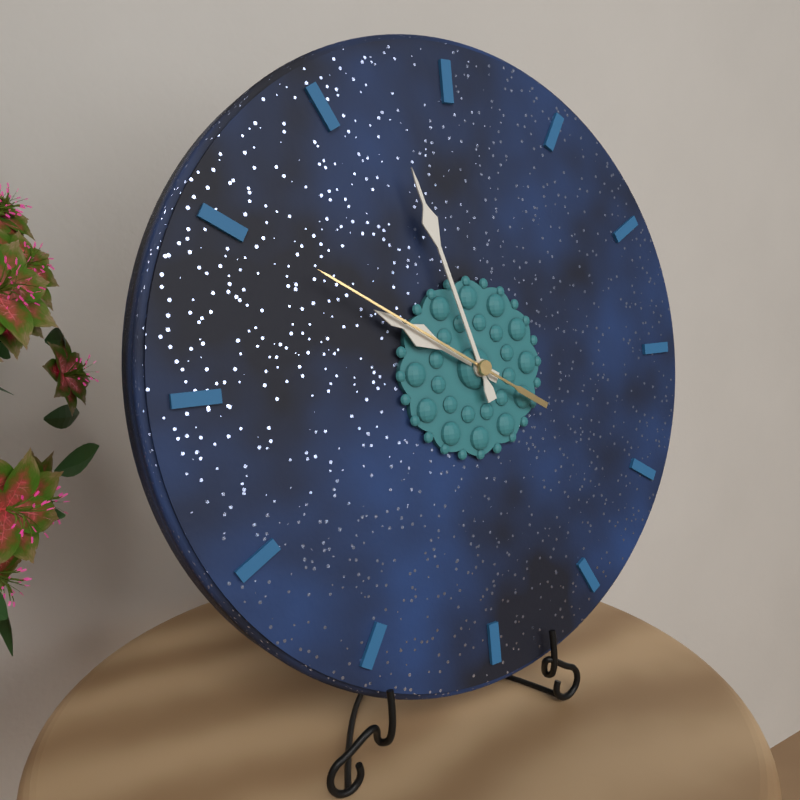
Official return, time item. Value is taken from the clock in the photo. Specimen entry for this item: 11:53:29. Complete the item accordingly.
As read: 9:57:50
